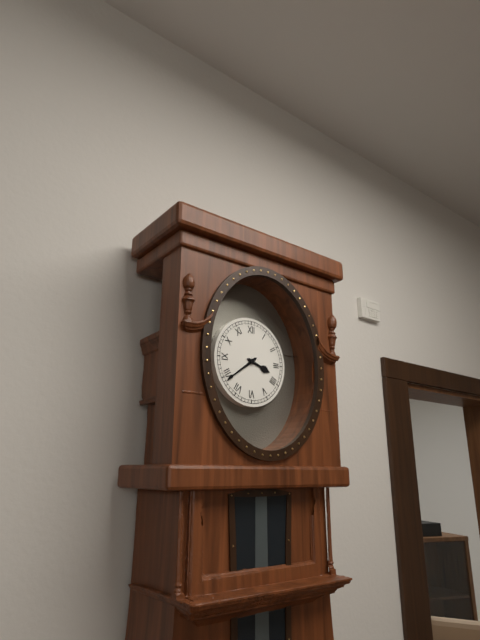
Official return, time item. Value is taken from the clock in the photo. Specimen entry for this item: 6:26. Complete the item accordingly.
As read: 3:39
